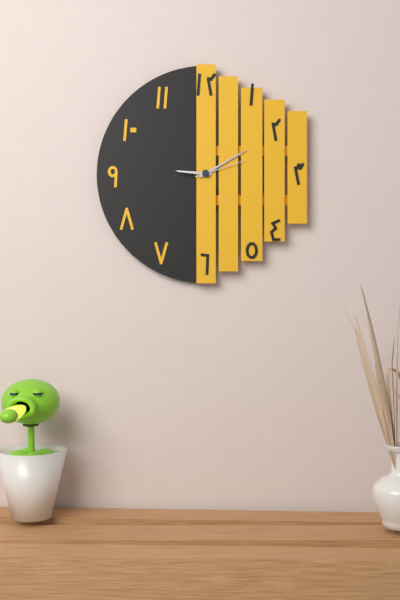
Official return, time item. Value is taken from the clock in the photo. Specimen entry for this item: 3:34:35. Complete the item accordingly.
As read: 9:10:12
